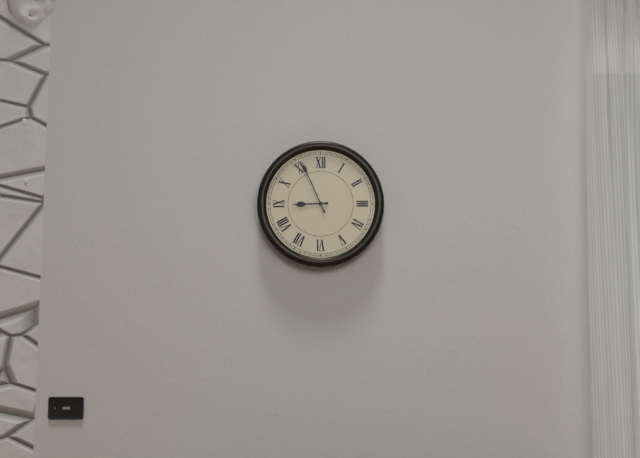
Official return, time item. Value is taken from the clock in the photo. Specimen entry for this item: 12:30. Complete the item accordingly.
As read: 8:56
